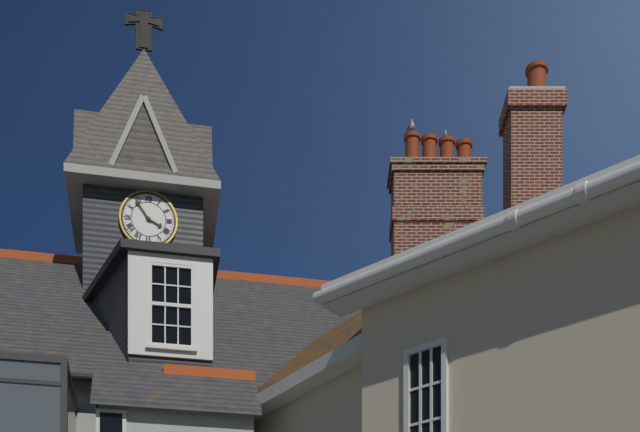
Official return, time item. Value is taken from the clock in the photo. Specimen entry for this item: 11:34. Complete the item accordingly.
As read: 3:54
